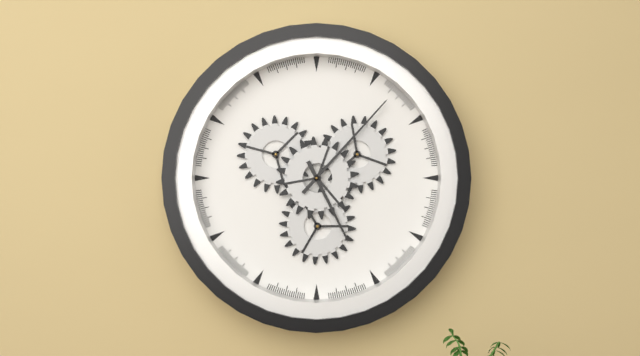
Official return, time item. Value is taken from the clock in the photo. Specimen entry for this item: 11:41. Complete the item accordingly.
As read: 5:07
